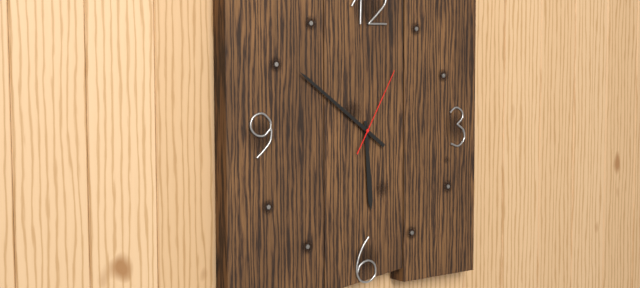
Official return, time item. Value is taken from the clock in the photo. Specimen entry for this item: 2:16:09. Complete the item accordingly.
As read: 5:51:05
